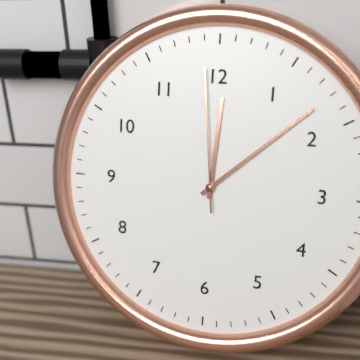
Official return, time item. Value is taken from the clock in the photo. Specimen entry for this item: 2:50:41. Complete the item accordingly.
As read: 12:08:59
